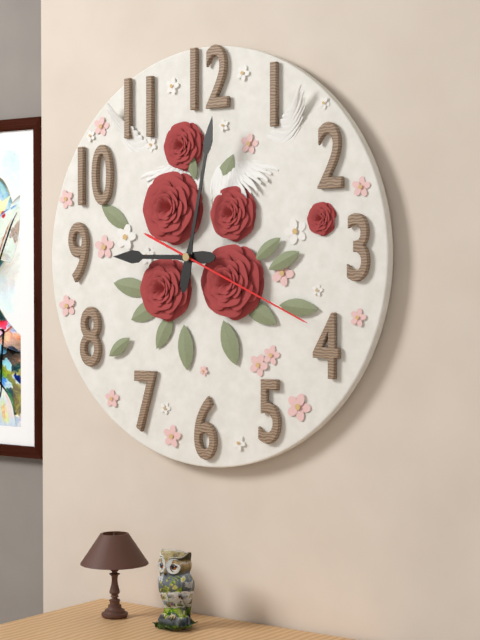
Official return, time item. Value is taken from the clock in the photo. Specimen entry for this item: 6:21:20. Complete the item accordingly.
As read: 9:02:19
